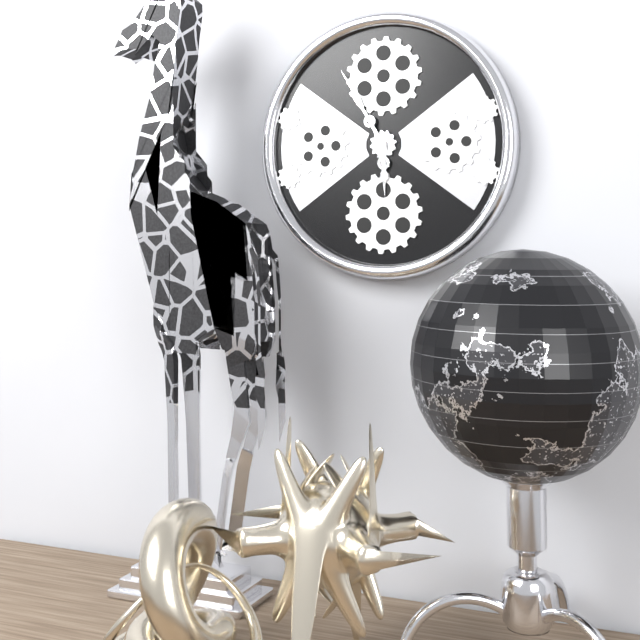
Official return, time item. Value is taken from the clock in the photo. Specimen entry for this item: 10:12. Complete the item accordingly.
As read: 5:55
